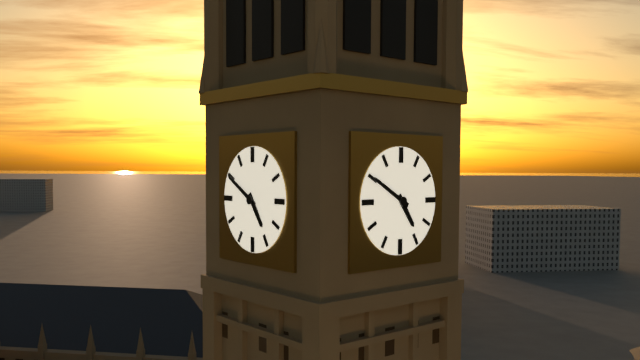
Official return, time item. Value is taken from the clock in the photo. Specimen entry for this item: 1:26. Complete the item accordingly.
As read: 4:50
